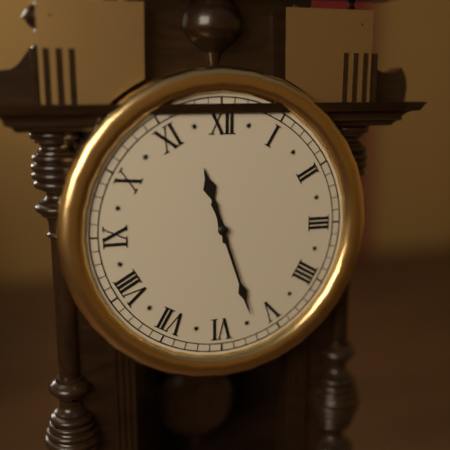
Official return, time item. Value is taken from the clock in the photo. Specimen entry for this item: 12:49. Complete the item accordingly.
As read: 11:27
